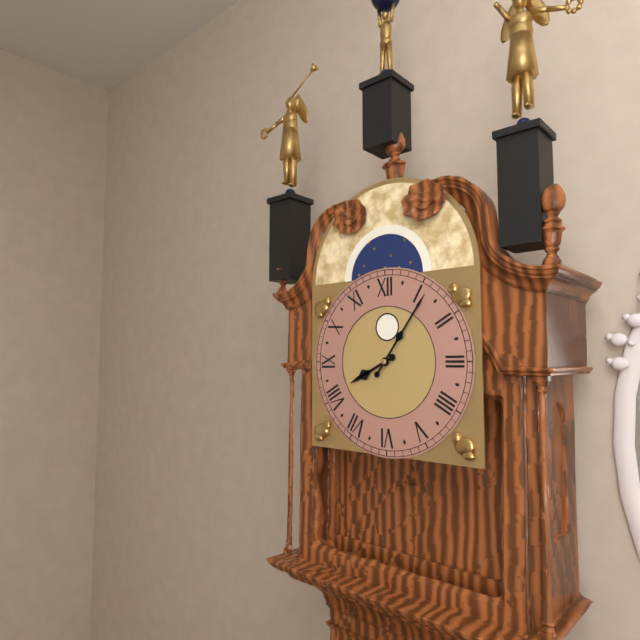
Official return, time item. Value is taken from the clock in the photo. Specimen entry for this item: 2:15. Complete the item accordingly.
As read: 8:06
